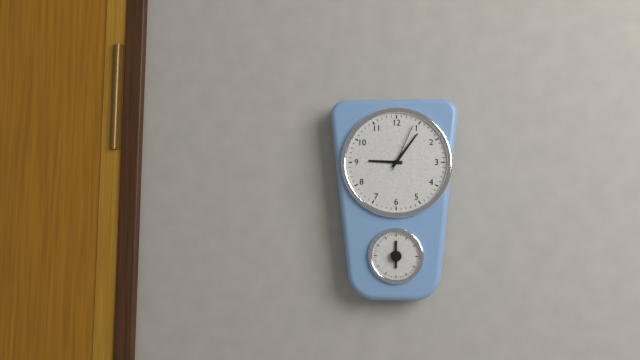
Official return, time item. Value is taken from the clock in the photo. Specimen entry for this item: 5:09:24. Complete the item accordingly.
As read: 9:06:04
